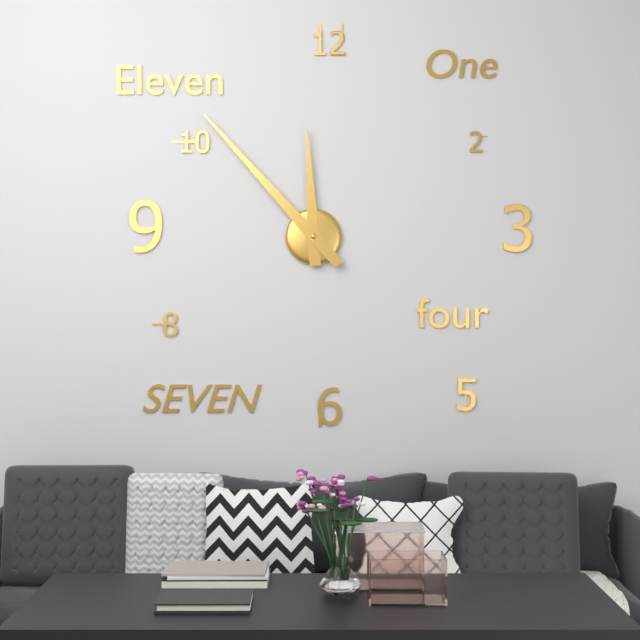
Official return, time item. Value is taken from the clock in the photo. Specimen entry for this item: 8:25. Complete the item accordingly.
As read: 11:53
